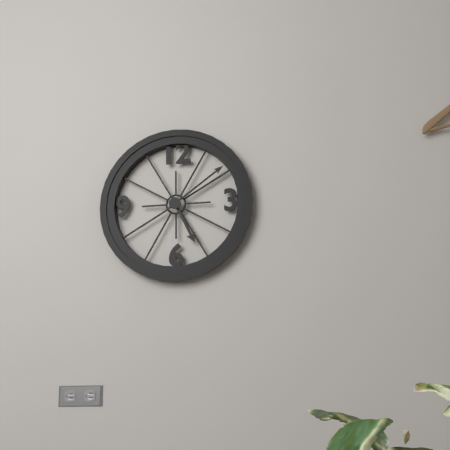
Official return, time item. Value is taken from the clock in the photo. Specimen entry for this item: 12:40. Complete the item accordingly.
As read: 5:09
